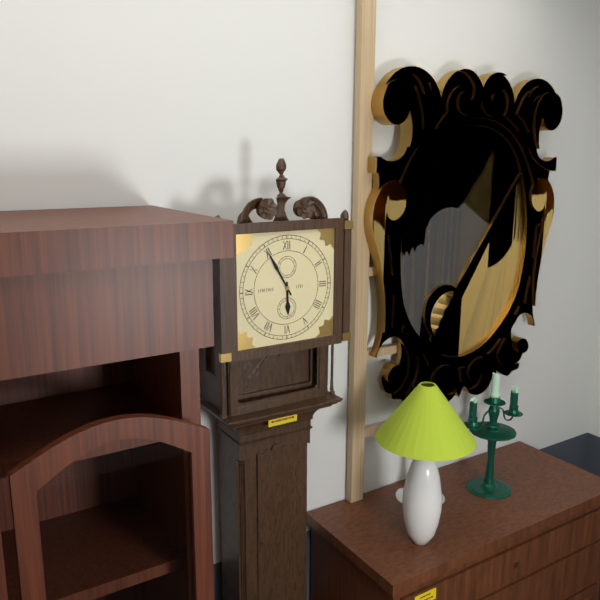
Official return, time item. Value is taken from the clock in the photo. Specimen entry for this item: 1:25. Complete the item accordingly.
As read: 5:55
